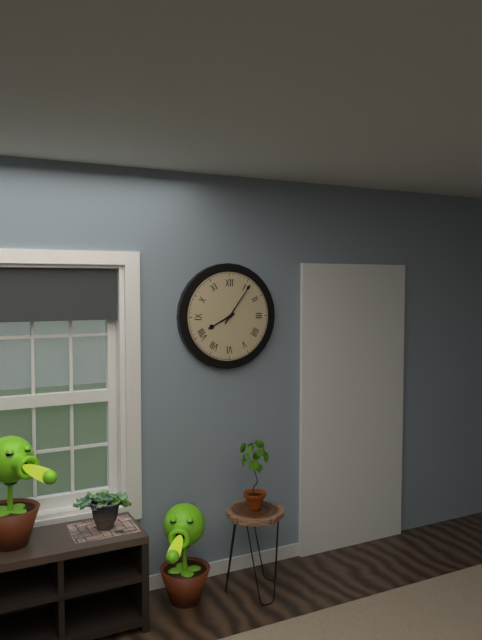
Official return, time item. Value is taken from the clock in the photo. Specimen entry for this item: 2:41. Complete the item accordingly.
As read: 8:06
